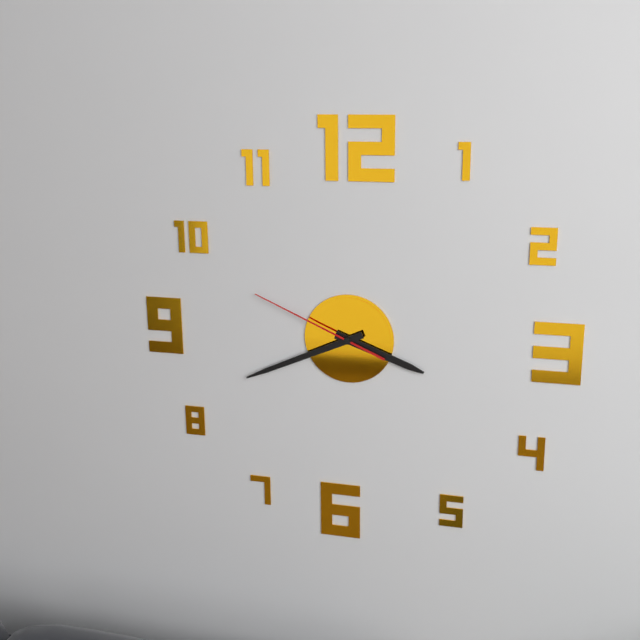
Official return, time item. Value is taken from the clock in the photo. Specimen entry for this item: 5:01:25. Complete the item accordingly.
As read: 3:41:49
